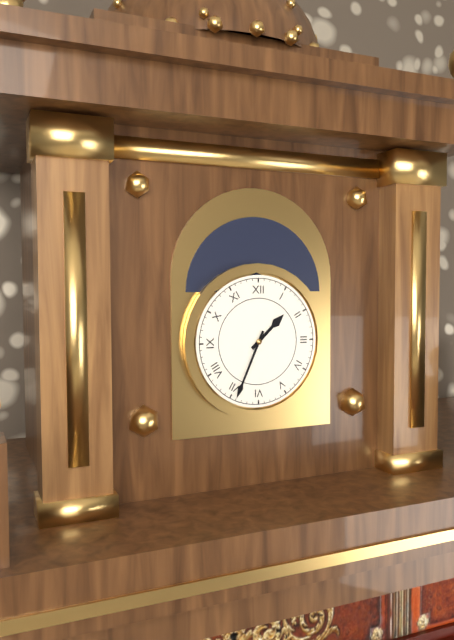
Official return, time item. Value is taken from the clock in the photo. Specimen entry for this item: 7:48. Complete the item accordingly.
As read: 1:34
